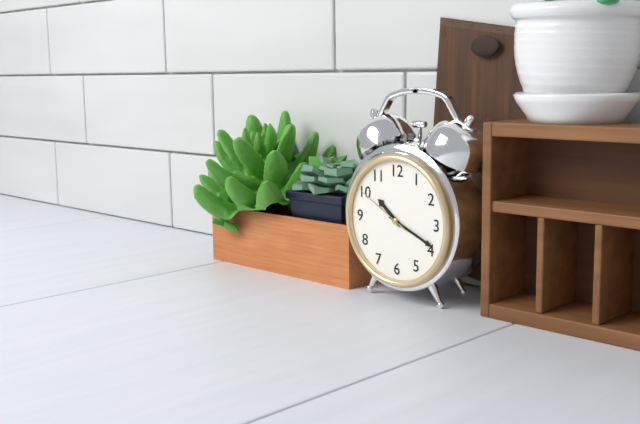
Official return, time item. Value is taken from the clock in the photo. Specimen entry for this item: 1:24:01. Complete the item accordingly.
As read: 10:19:50
